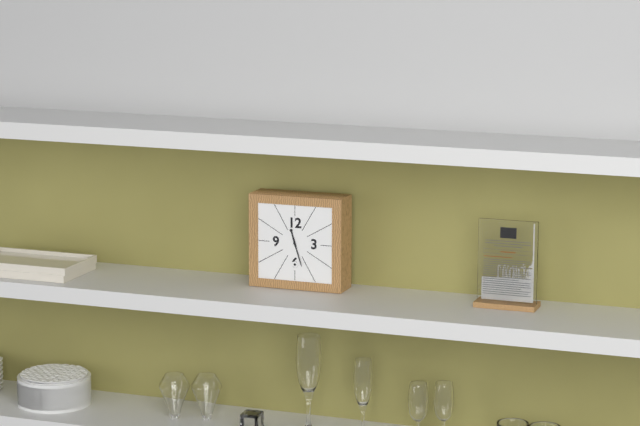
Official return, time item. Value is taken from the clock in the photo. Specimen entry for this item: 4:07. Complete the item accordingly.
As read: 11:27
